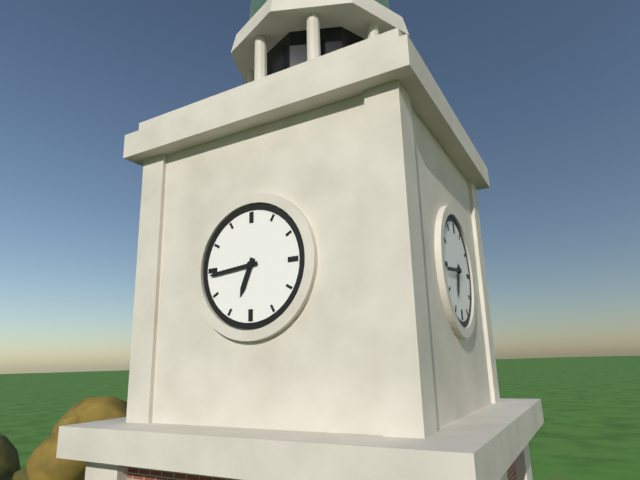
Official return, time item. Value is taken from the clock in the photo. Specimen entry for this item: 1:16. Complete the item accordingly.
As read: 6:44
